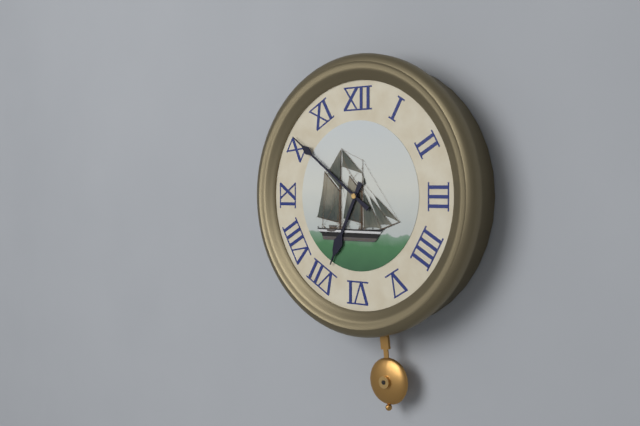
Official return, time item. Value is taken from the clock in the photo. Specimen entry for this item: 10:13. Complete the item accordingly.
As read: 6:51
